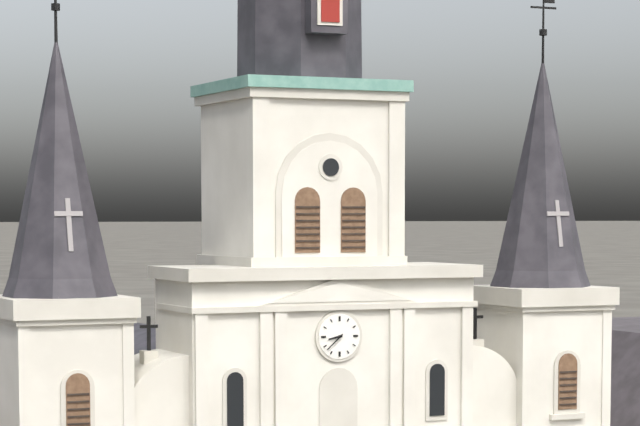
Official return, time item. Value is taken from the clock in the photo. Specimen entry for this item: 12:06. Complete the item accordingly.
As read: 8:38
